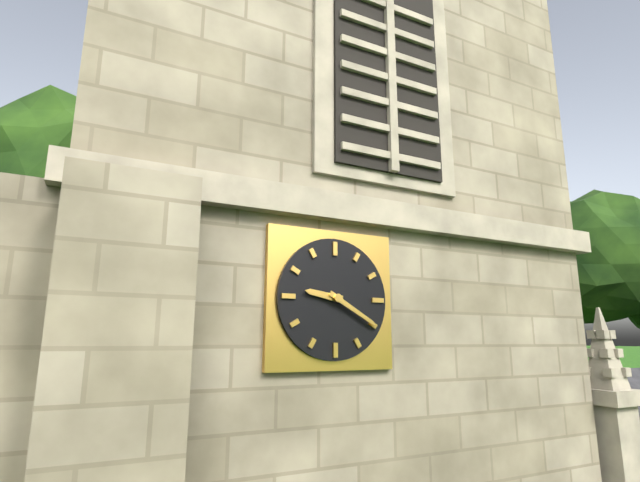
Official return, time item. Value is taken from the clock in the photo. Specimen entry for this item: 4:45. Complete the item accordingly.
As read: 9:20
